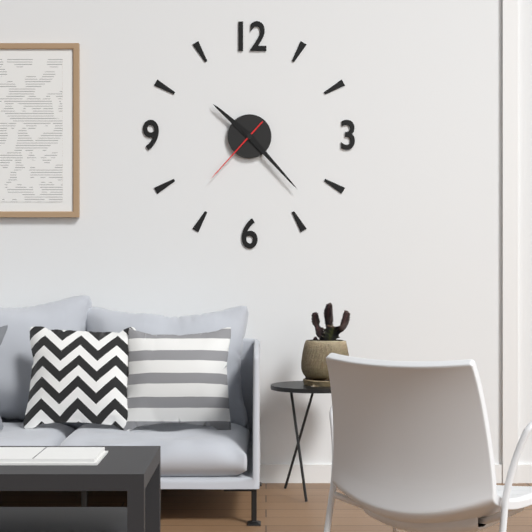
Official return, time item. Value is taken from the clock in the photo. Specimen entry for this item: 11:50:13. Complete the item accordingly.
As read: 10:23:37
